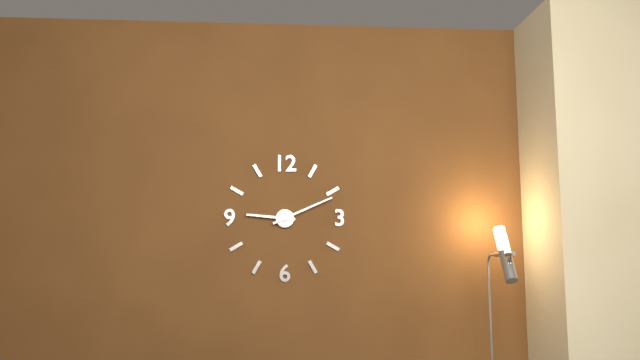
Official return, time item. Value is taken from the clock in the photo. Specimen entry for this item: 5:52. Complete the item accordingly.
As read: 9:11
